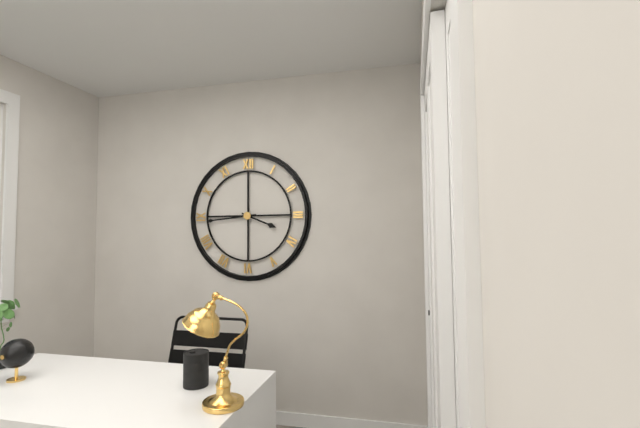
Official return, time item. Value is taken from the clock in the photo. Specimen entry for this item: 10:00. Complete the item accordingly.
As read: 3:44
